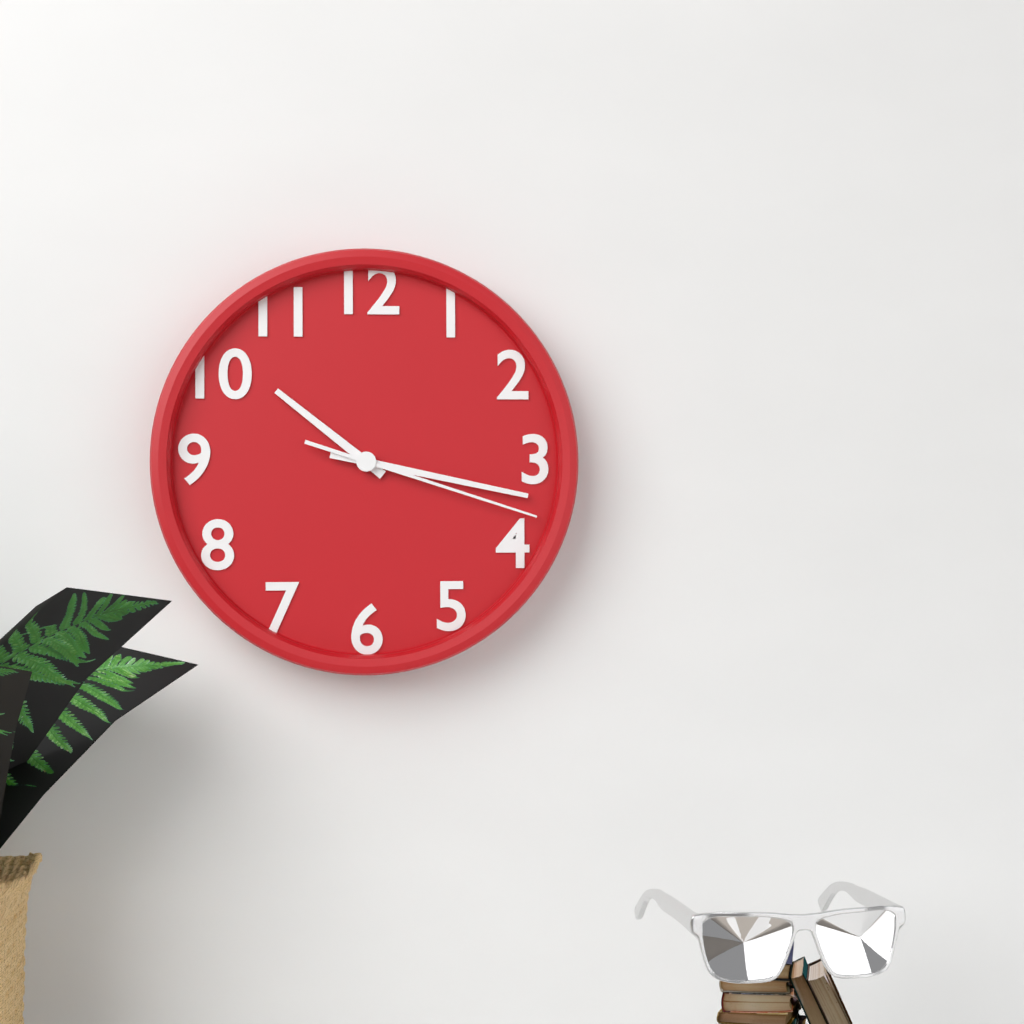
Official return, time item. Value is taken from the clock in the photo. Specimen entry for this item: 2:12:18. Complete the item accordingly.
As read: 10:17:18
